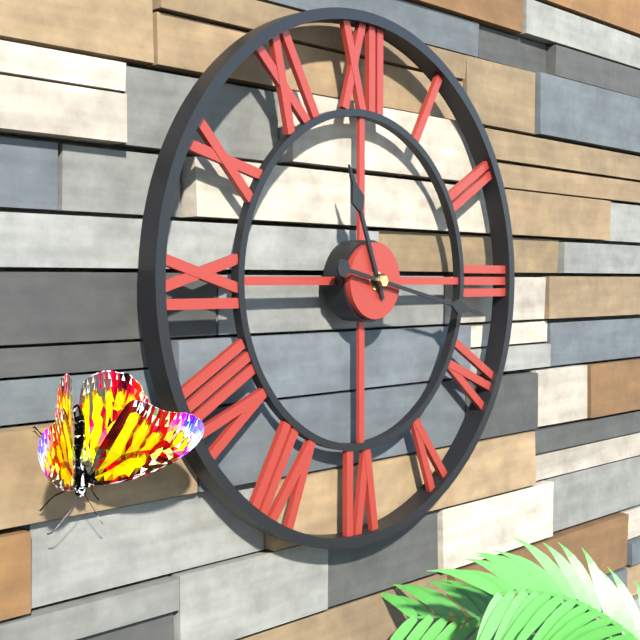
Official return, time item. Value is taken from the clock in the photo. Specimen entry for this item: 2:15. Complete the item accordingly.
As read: 11:17
